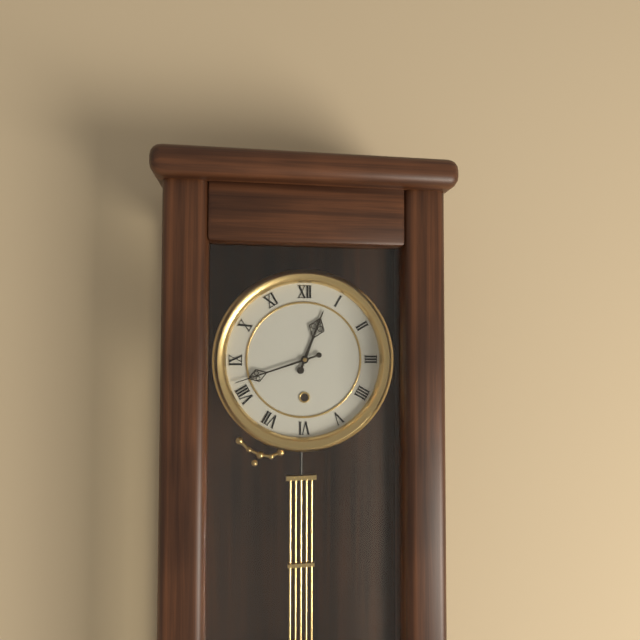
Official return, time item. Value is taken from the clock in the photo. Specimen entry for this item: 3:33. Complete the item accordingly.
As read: 12:42
